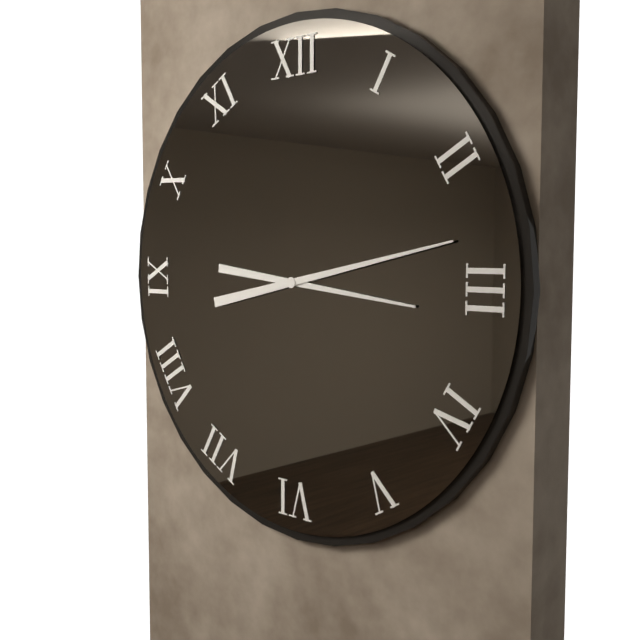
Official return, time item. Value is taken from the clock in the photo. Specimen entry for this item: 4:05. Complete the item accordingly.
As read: 3:13
